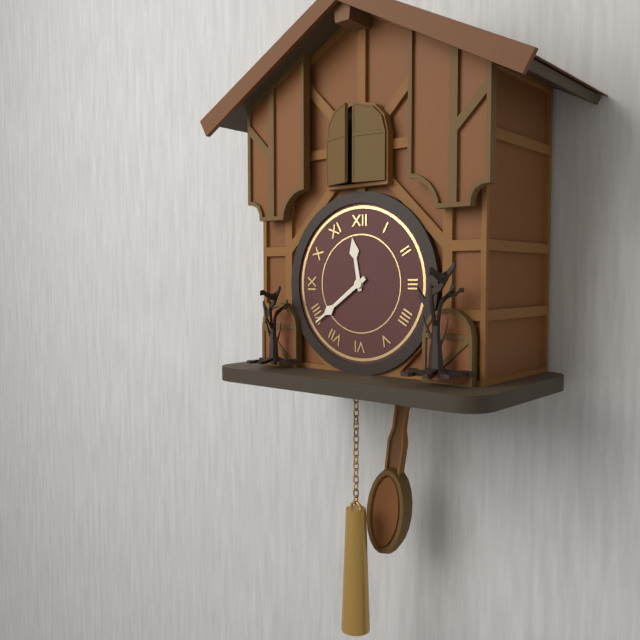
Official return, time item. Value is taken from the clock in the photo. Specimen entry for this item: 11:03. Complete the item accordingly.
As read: 11:39
